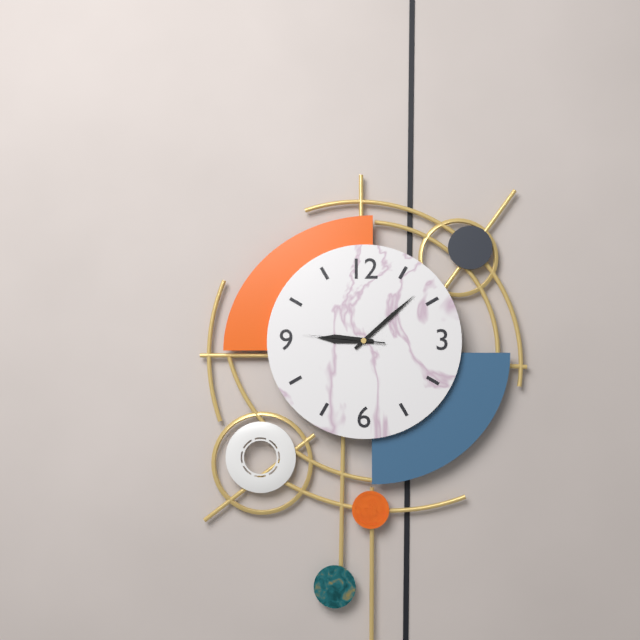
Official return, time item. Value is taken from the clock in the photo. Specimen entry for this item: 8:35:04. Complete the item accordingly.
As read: 9:08:46
